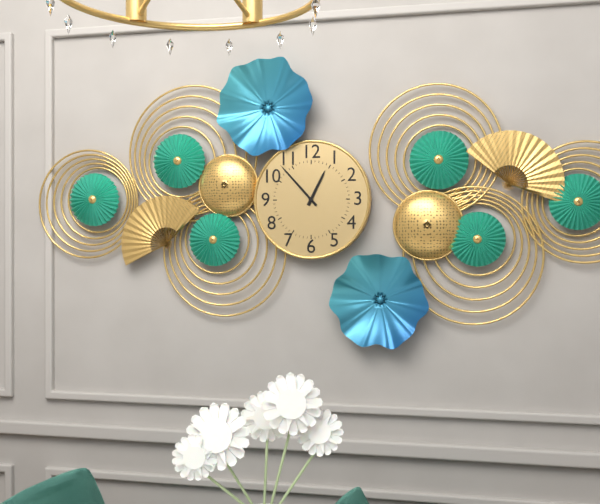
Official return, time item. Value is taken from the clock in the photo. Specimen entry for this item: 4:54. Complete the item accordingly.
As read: 12:53
